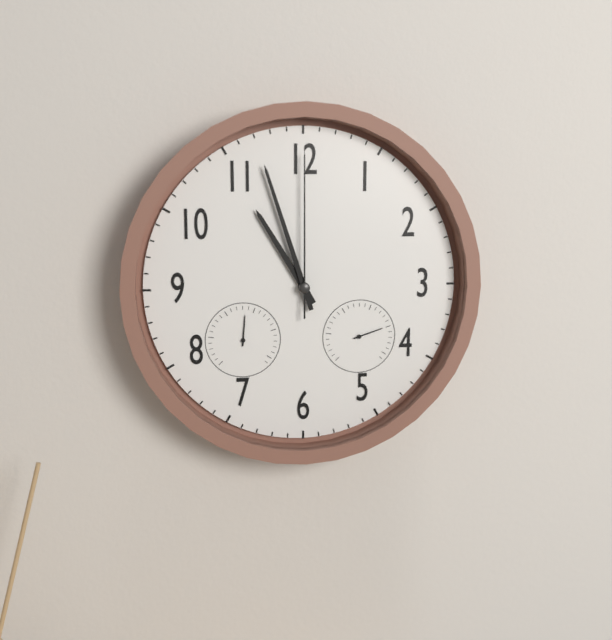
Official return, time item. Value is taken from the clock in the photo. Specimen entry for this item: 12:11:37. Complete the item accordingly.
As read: 10:57:00
